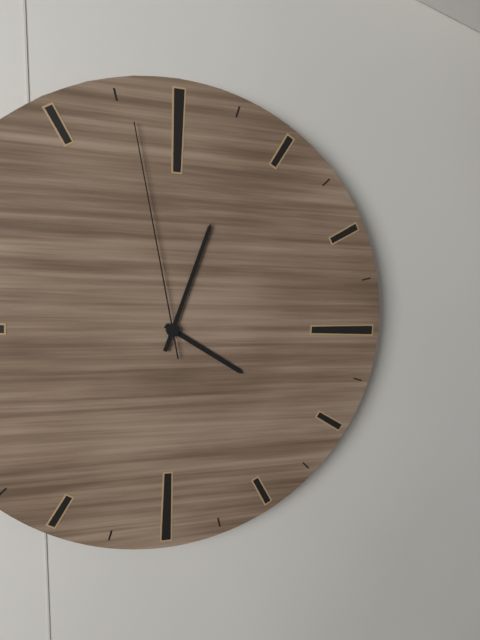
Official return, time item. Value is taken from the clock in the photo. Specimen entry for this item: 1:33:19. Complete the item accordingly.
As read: 4:03:58
